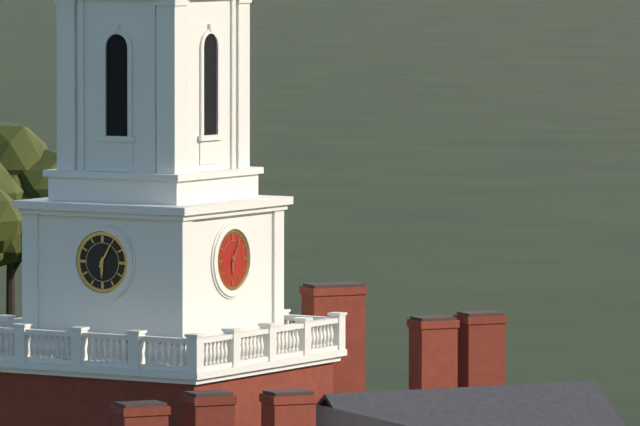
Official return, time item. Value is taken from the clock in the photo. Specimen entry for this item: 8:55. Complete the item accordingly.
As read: 6:05
